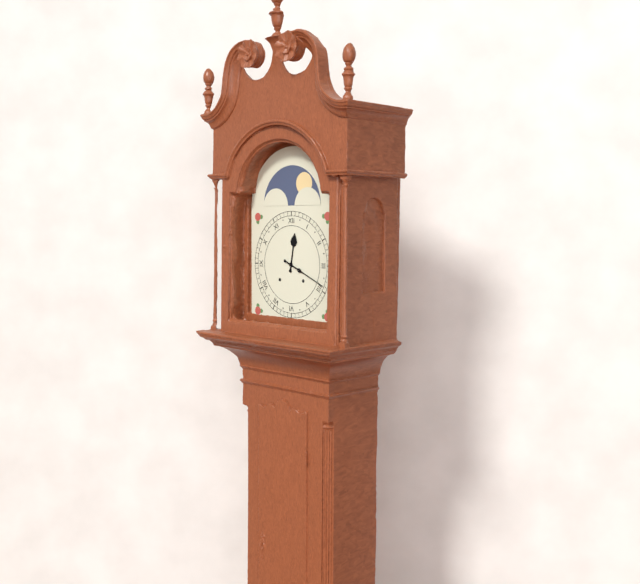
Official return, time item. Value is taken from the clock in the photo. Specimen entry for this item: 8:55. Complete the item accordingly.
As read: 12:19
